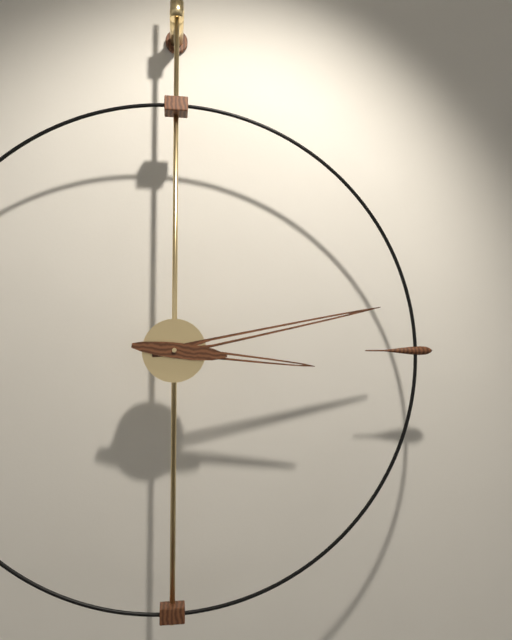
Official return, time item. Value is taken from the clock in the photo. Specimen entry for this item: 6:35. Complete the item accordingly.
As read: 3:13
